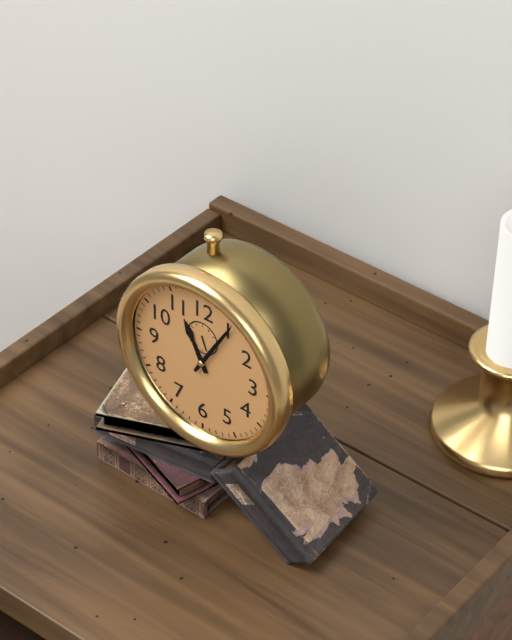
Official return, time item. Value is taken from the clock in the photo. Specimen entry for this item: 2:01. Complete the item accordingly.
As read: 11:05
